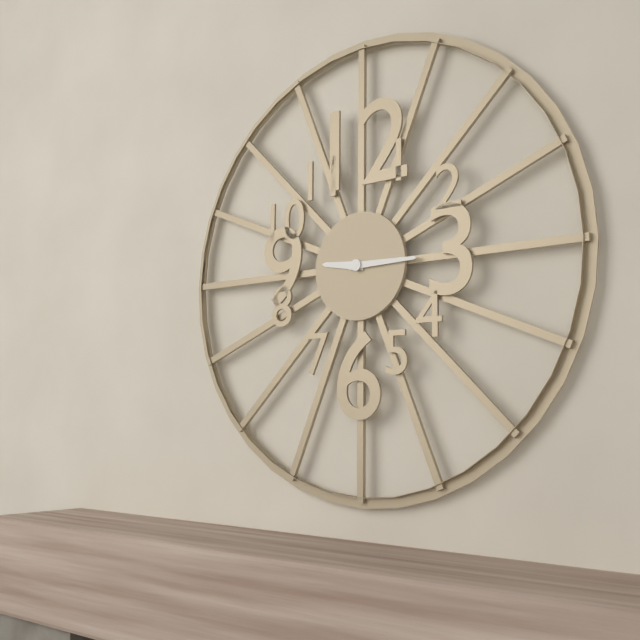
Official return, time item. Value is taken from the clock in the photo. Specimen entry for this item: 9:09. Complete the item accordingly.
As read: 9:15
